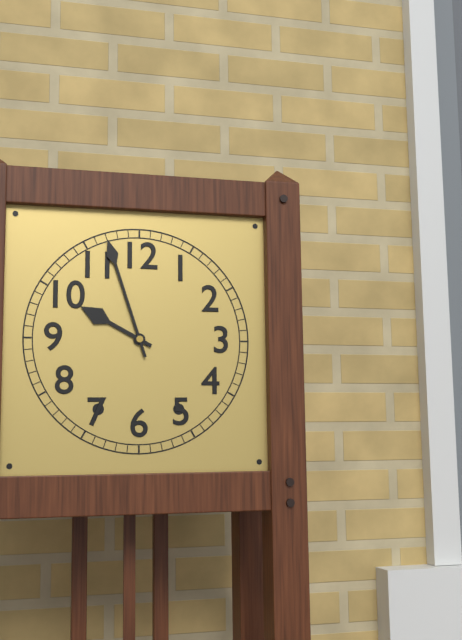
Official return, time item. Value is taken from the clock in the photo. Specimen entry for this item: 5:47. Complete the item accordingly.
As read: 9:57
